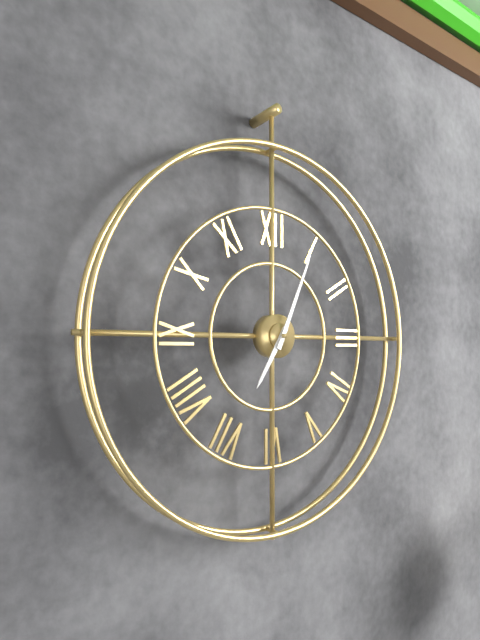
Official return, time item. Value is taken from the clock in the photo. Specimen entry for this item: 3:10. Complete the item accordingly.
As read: 7:04
